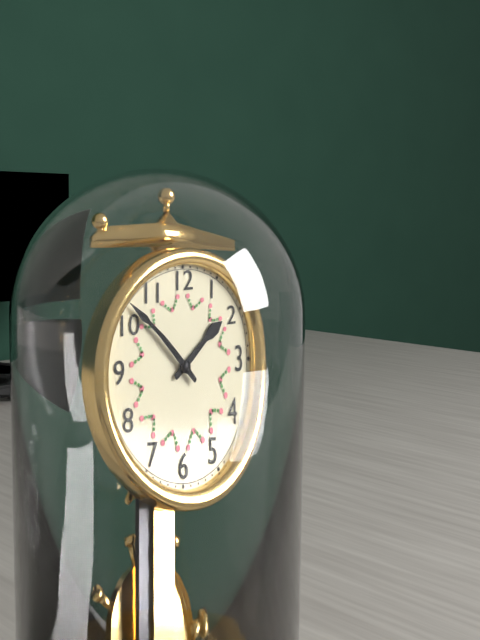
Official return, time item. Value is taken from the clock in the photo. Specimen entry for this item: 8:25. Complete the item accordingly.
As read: 1:52
